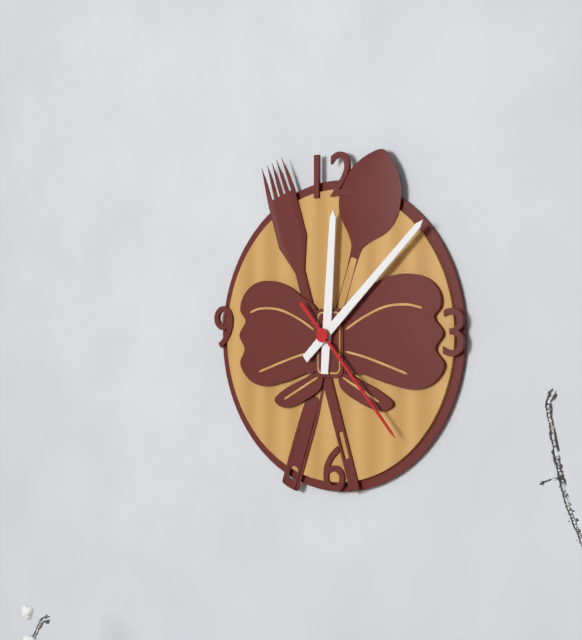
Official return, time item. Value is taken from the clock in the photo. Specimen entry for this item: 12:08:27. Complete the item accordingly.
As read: 12:08:23
